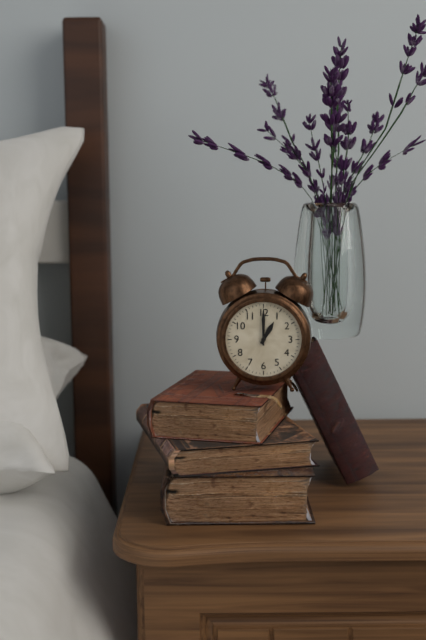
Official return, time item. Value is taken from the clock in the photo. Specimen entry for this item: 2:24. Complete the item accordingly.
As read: 1:00
